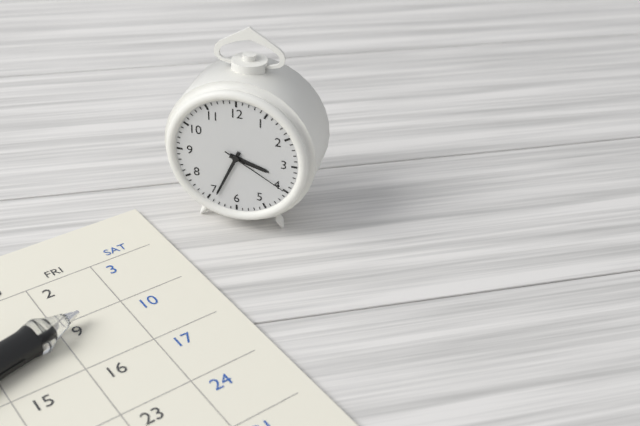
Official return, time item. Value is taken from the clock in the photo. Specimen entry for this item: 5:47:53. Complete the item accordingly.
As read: 3:34:20
